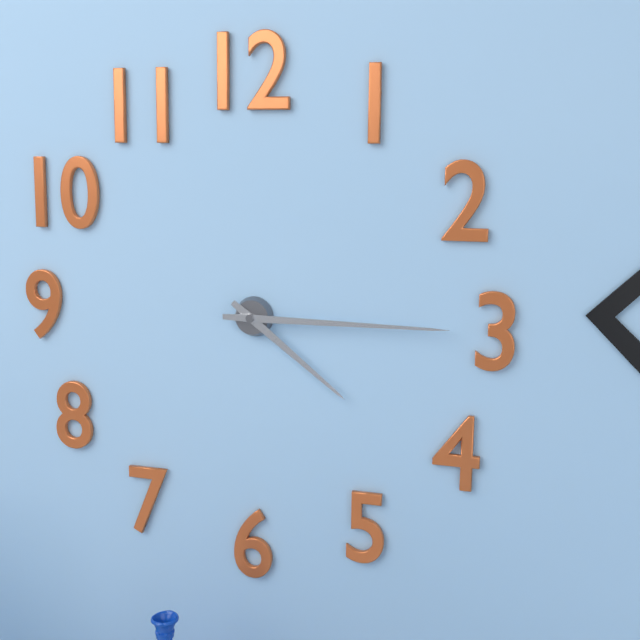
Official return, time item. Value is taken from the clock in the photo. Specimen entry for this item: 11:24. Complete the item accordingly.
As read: 4:15
